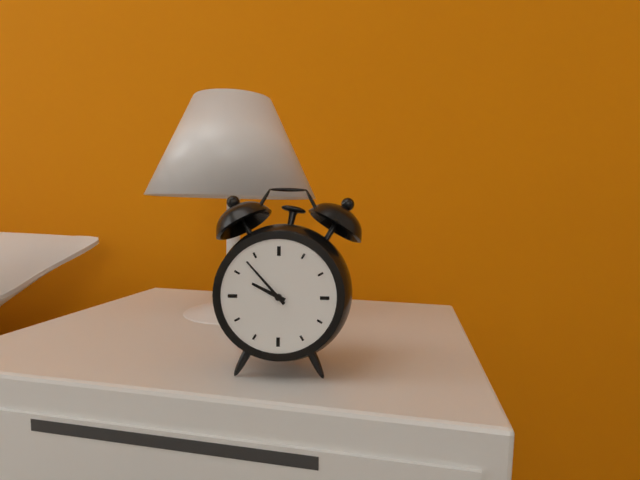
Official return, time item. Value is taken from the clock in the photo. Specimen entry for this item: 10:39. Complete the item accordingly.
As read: 9:53
